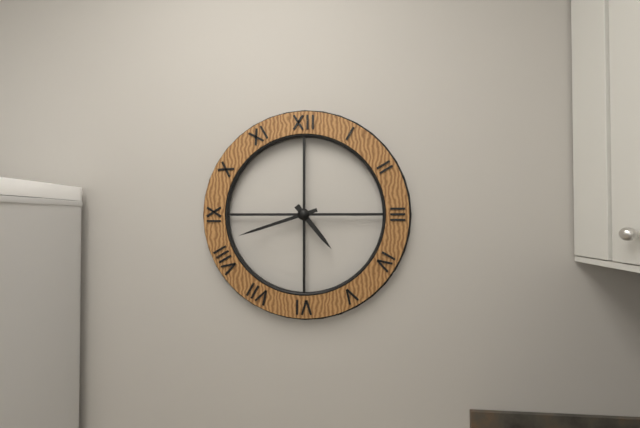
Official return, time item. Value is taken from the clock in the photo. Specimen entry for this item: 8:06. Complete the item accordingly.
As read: 4:42
